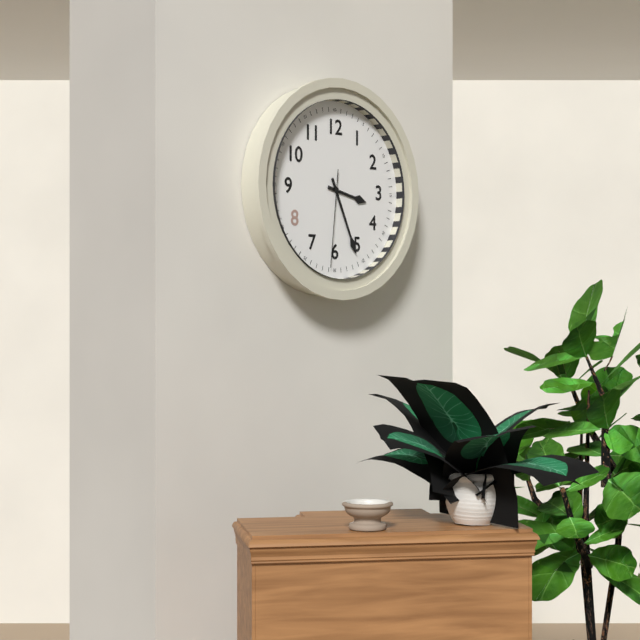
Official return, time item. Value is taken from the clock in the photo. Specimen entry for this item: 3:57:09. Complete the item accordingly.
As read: 3:26:31
